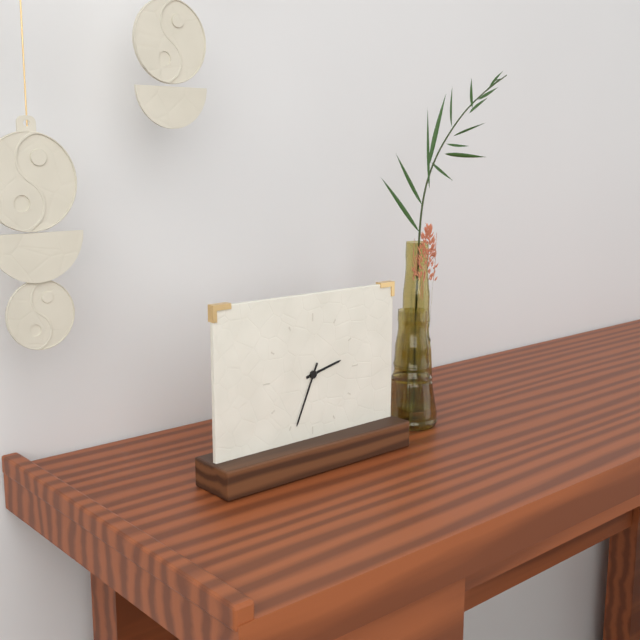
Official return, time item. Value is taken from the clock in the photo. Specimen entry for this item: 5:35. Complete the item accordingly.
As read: 2:34
